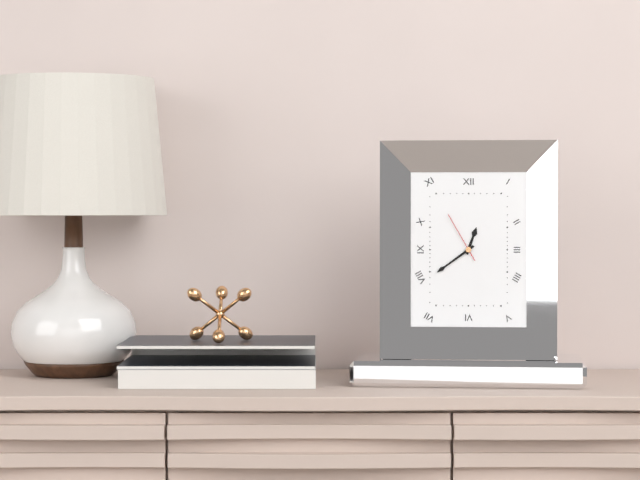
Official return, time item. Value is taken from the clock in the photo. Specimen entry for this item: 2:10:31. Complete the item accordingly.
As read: 12:39:55
